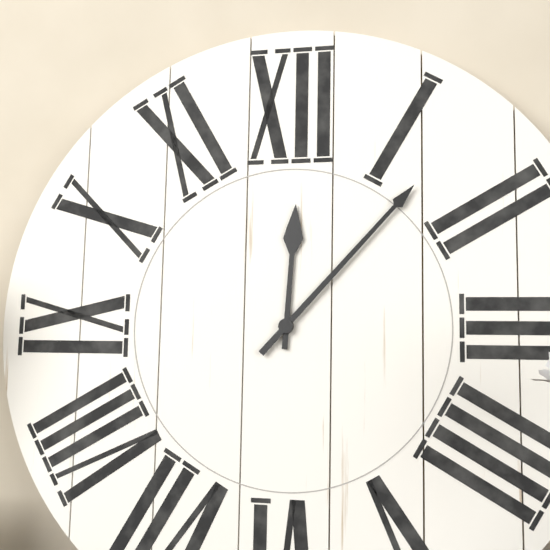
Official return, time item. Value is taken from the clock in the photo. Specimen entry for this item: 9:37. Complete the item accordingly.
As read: 12:07
